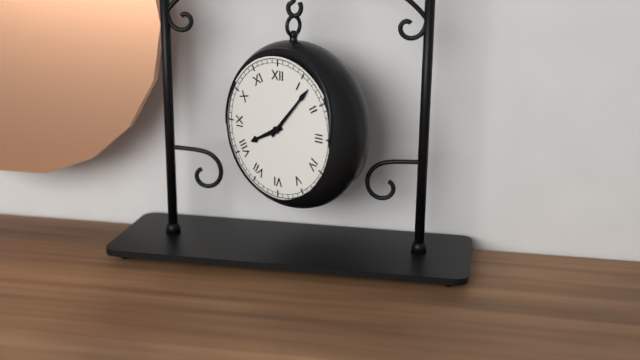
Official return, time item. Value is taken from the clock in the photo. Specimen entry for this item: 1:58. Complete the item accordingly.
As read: 8:07
